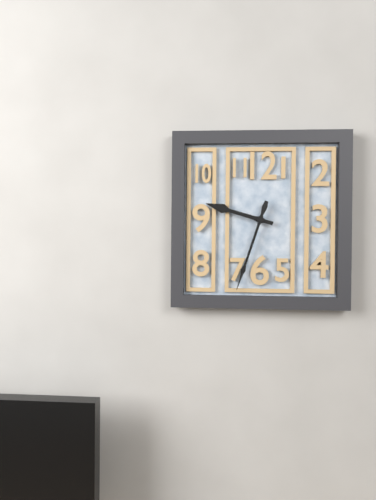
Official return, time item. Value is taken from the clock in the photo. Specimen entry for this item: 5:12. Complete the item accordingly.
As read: 9:33
